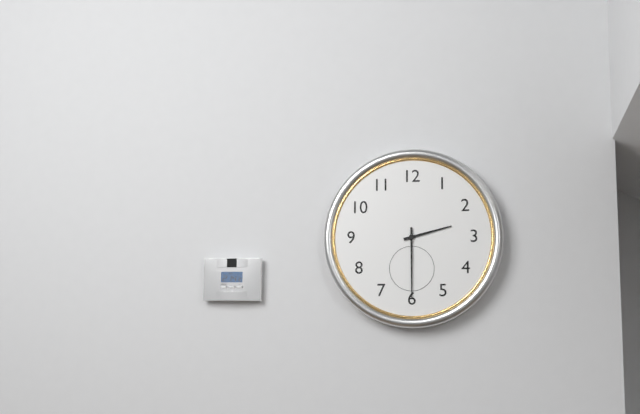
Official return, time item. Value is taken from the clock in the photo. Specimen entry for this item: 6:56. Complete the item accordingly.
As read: 2:30
